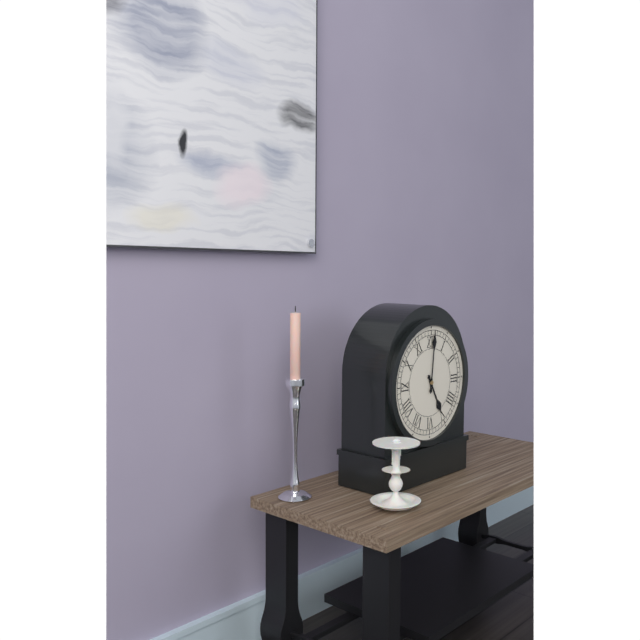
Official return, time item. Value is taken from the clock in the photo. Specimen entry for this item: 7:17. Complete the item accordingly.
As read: 5:01
